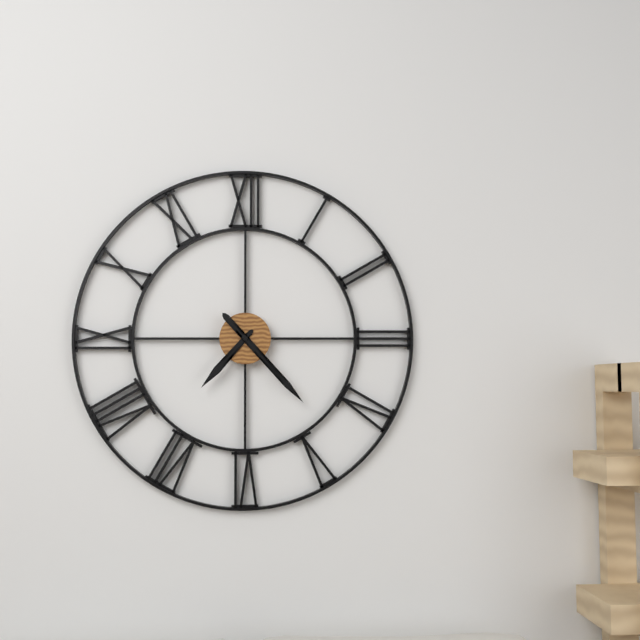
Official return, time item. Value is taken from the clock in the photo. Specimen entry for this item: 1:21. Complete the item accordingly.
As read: 7:23
